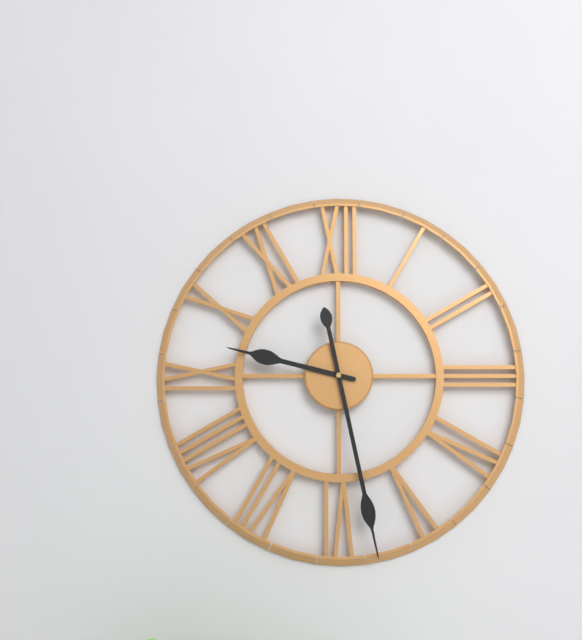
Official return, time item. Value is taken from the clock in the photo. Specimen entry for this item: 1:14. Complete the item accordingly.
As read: 9:28
